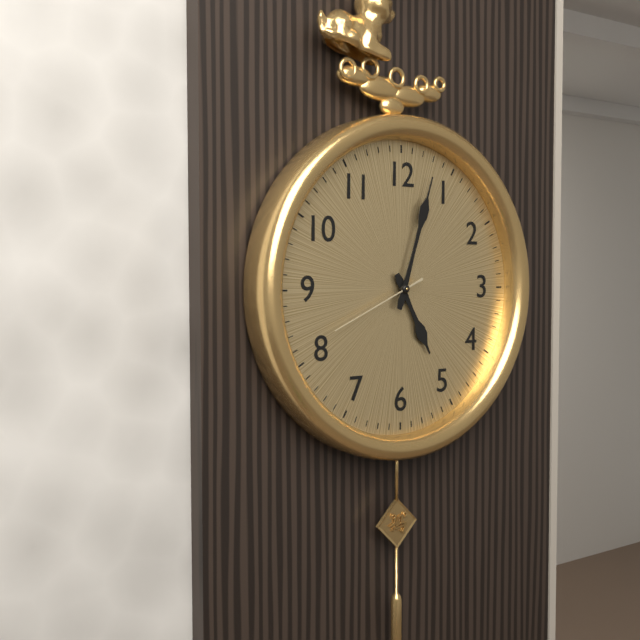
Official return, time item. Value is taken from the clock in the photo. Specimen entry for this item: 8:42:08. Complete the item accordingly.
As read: 5:03:41
